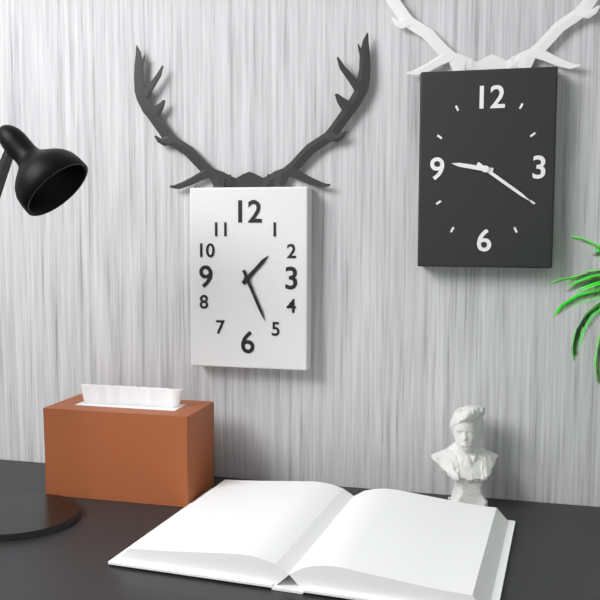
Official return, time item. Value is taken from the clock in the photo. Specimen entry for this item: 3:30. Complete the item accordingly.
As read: 1:26
